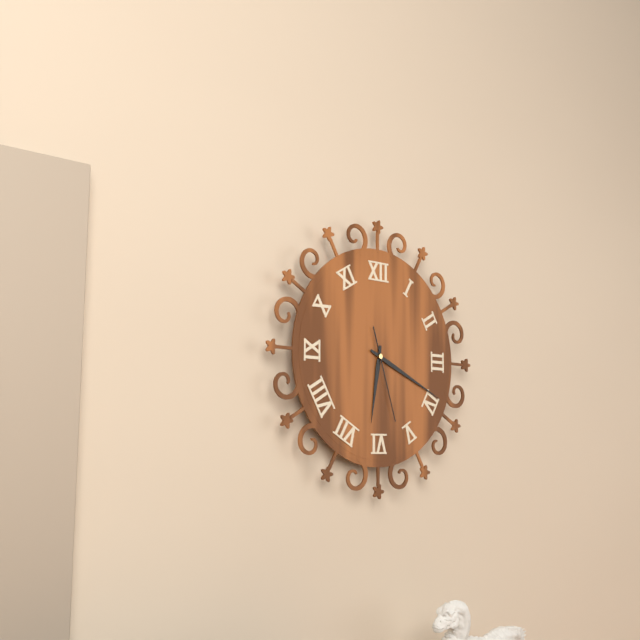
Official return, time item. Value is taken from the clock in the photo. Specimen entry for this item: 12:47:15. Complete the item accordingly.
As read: 6:19:27
